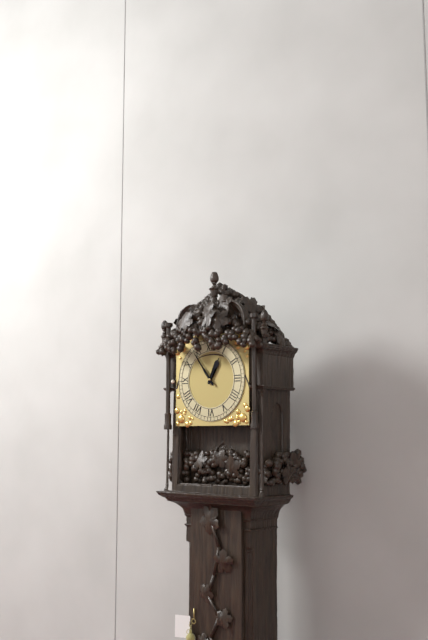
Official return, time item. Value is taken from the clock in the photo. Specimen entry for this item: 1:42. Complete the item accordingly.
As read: 12:54
